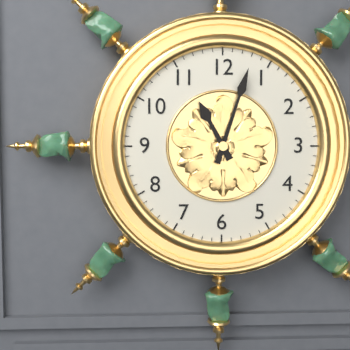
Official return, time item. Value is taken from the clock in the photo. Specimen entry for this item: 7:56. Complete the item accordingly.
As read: 11:03
